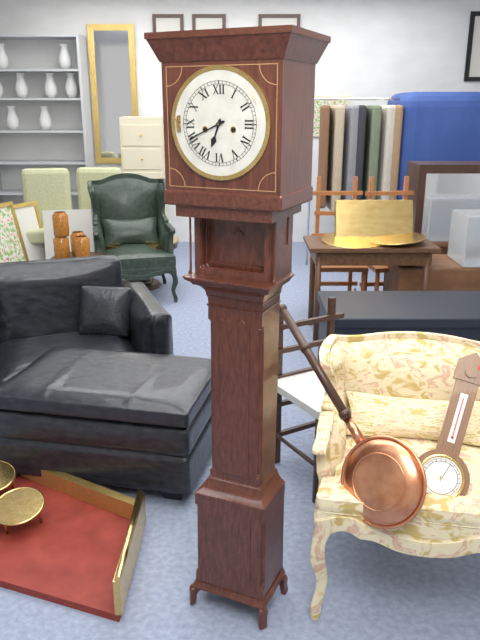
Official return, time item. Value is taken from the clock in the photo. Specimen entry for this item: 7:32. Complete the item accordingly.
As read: 6:41
